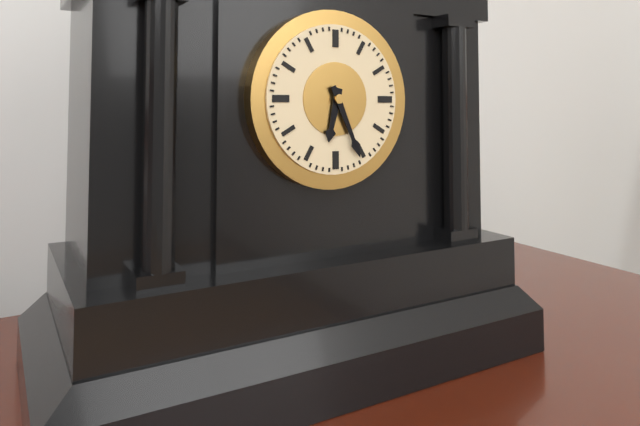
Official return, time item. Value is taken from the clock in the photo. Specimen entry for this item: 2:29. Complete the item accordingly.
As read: 6:26
